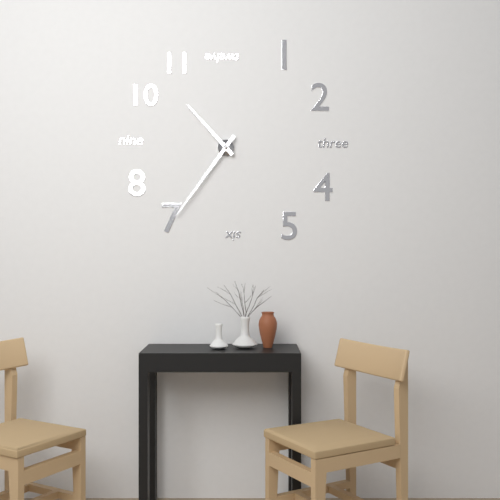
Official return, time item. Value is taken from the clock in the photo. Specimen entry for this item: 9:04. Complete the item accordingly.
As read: 10:36
